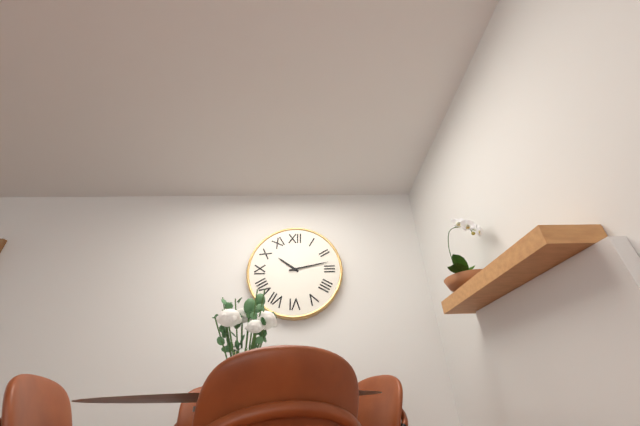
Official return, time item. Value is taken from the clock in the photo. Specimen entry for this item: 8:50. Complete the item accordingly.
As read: 10:13
